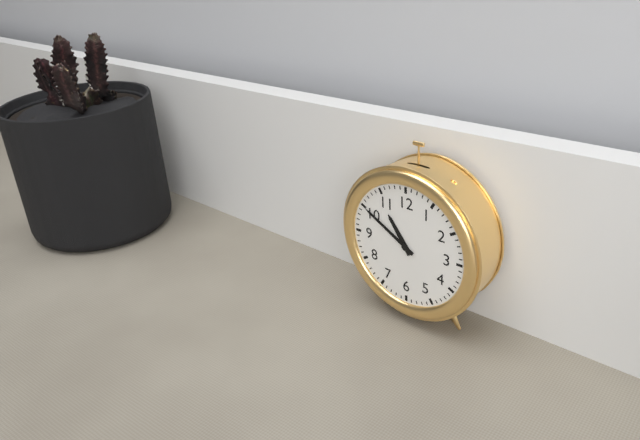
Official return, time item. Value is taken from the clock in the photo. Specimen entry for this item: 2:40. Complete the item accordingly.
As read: 10:50
